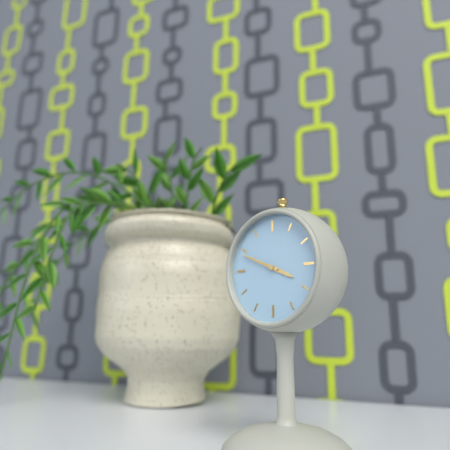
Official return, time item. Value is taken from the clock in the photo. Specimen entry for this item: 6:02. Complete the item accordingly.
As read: 3:49
